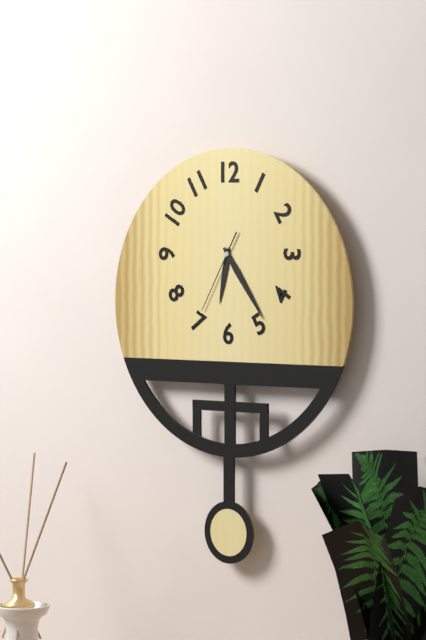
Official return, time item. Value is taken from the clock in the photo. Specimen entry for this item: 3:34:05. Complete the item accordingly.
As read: 6:24:35
